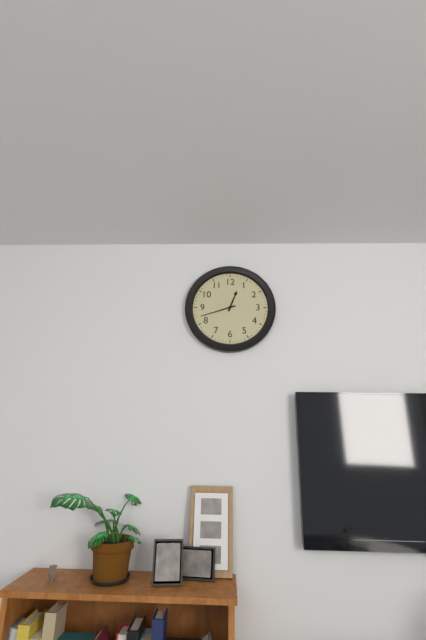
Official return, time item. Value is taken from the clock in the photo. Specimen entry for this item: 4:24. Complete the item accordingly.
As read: 12:42
